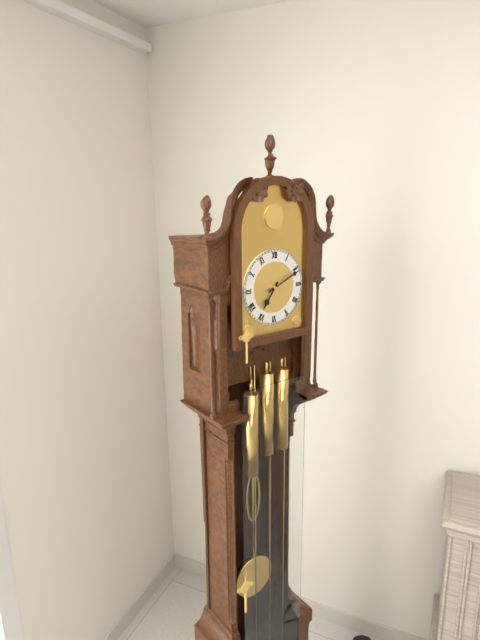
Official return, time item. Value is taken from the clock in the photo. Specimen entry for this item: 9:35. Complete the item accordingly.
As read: 7:11
